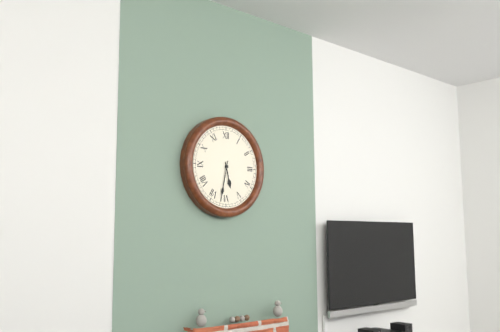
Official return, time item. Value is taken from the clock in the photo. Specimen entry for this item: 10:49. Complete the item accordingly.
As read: 5:32
